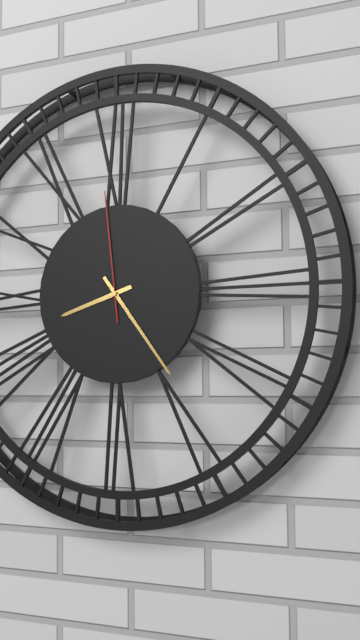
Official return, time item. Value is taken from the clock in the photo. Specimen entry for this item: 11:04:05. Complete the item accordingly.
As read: 8:24:59
